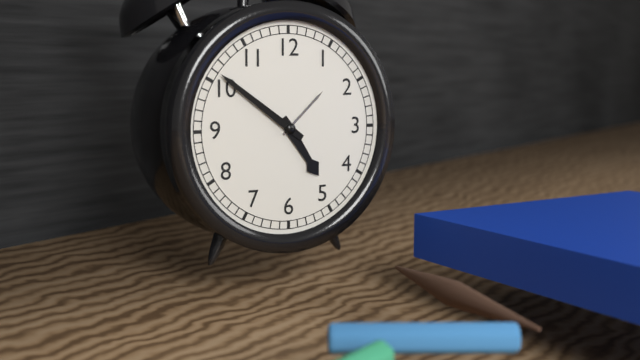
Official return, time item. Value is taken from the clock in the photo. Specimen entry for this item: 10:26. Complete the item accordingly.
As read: 4:51
